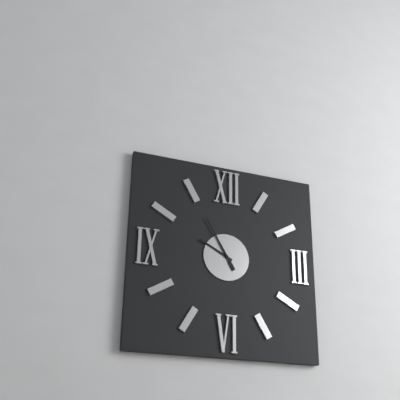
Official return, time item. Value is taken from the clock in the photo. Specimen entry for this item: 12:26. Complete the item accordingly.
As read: 9:55
